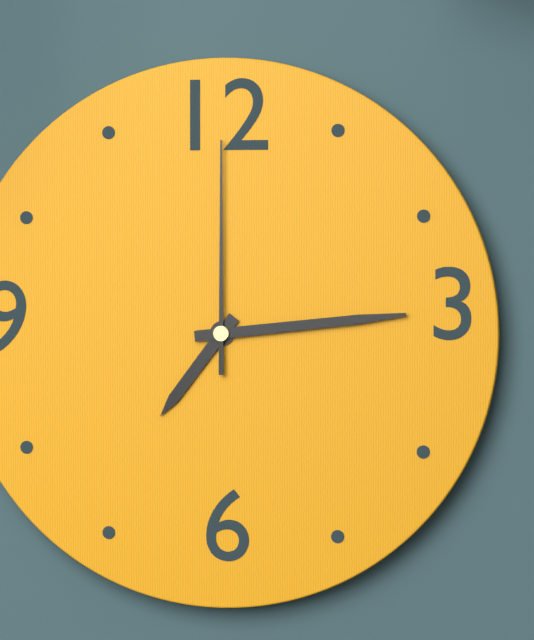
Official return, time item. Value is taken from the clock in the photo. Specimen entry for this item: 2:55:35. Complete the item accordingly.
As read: 7:14:00
